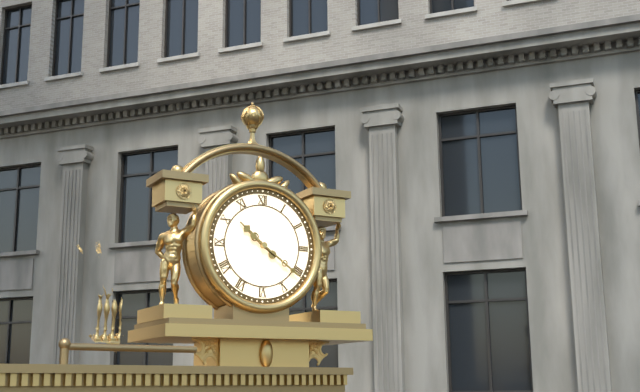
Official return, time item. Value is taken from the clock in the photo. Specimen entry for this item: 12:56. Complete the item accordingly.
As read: 10:21
